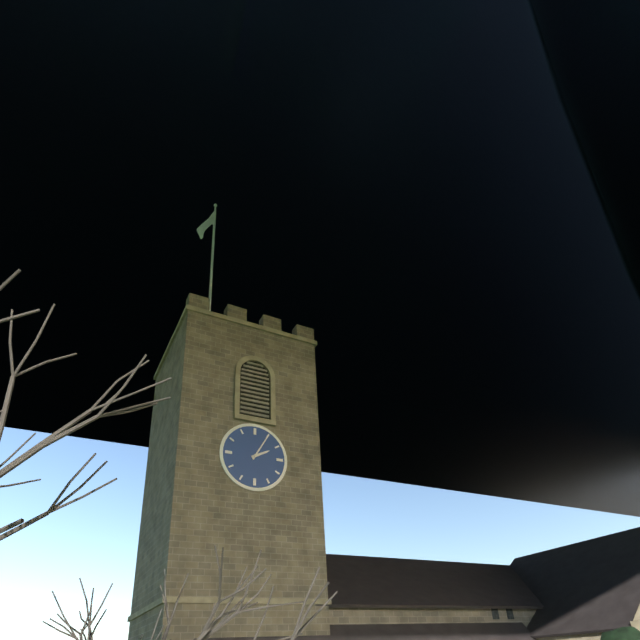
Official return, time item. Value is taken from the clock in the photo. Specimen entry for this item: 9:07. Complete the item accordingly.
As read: 2:05
